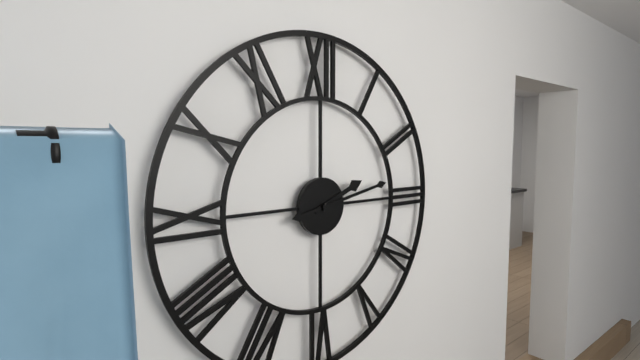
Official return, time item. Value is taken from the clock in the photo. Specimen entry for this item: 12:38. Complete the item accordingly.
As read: 2:13
